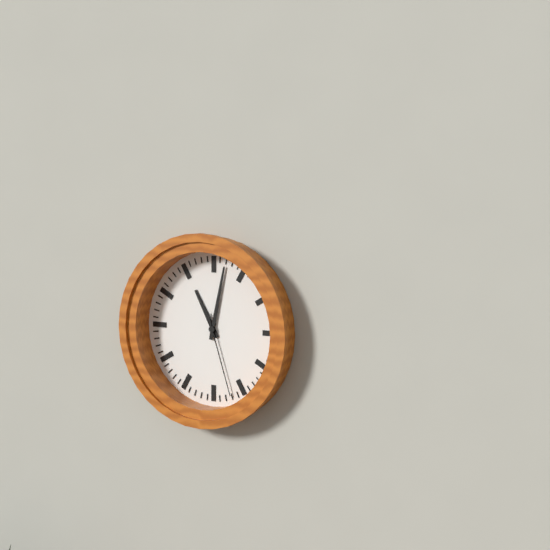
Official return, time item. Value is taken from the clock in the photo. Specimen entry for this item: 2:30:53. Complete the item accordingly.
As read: 11:02:27
